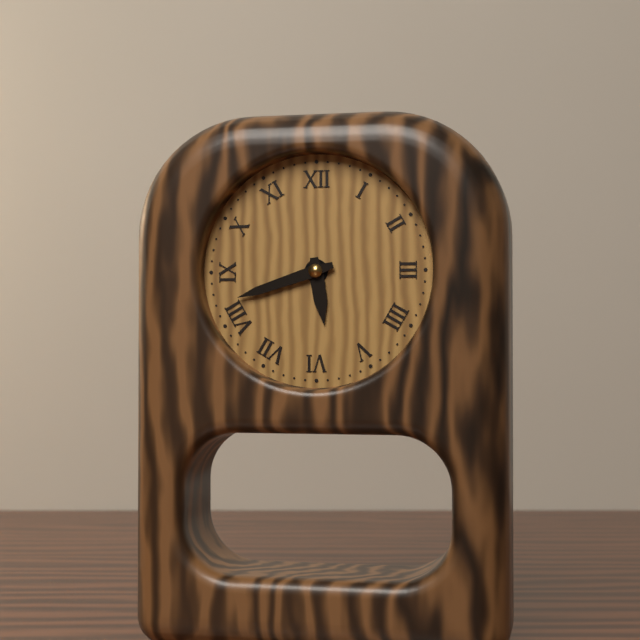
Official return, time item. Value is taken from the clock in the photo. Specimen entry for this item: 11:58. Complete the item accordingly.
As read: 5:42
